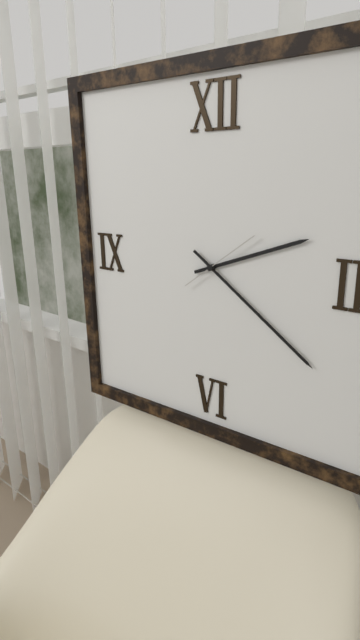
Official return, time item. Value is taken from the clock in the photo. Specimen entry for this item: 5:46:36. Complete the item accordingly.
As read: 2:21:09
